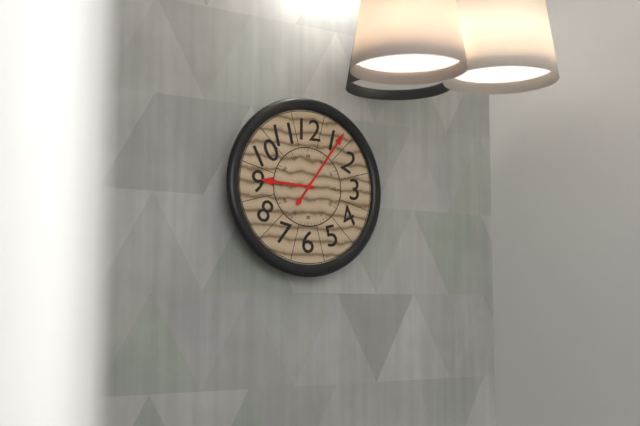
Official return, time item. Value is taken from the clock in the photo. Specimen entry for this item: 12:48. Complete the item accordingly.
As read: 9:06
